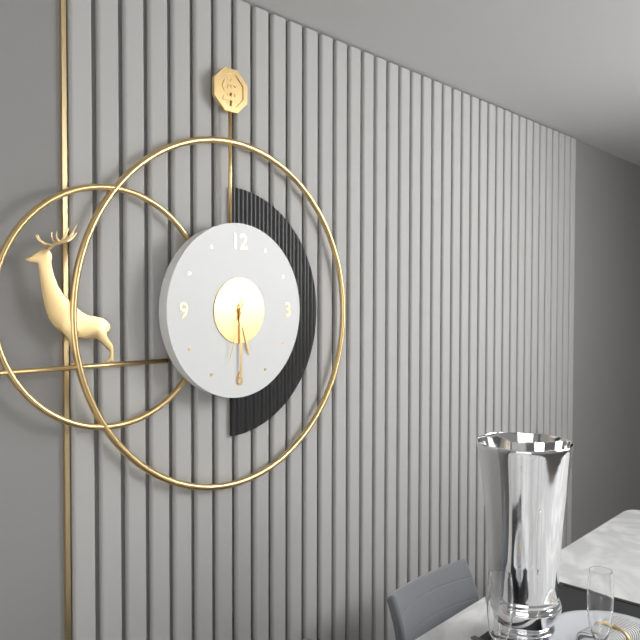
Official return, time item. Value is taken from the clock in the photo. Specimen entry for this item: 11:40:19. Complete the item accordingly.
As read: 5:30:33
